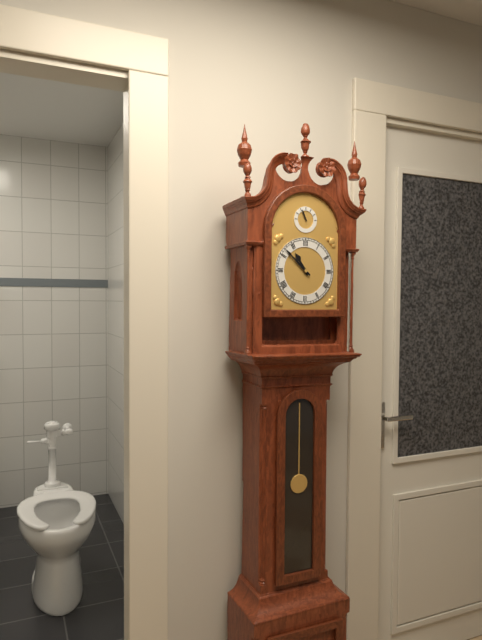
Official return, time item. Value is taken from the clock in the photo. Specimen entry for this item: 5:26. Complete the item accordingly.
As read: 10:52
